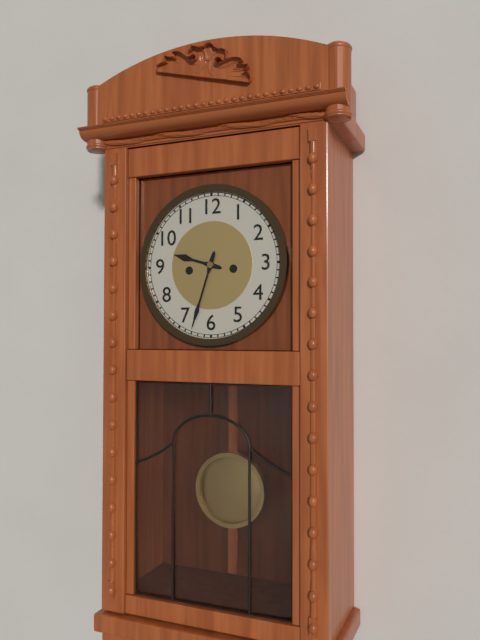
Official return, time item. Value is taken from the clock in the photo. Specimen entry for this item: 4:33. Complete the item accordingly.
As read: 9:33
